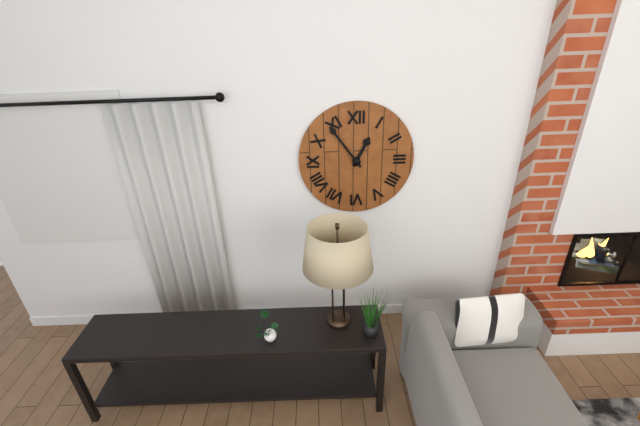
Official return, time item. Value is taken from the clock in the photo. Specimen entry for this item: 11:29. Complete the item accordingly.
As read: 12:54
